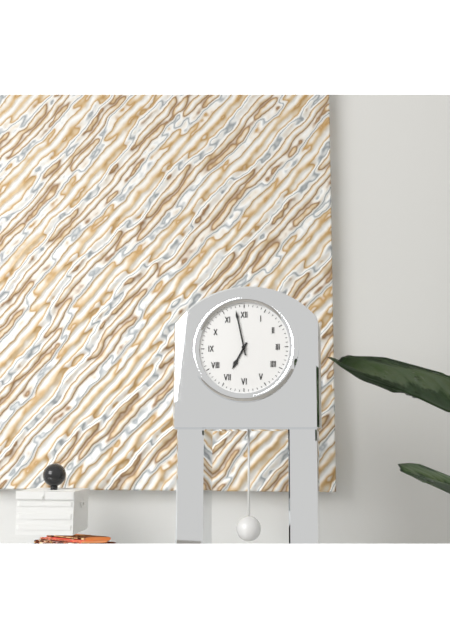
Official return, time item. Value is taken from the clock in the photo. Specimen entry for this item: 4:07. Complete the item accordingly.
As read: 6:58
